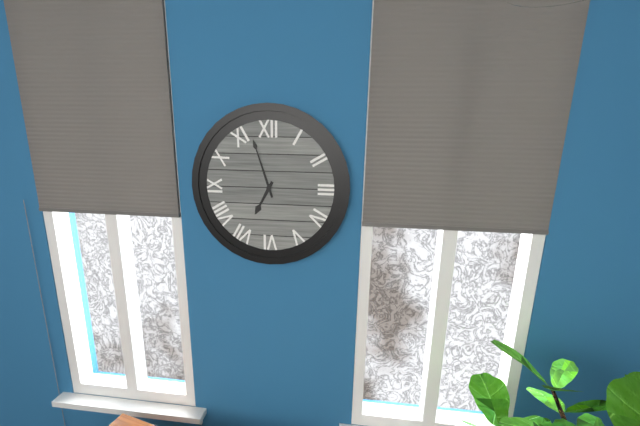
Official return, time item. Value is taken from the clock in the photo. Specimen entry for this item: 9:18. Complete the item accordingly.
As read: 6:57
